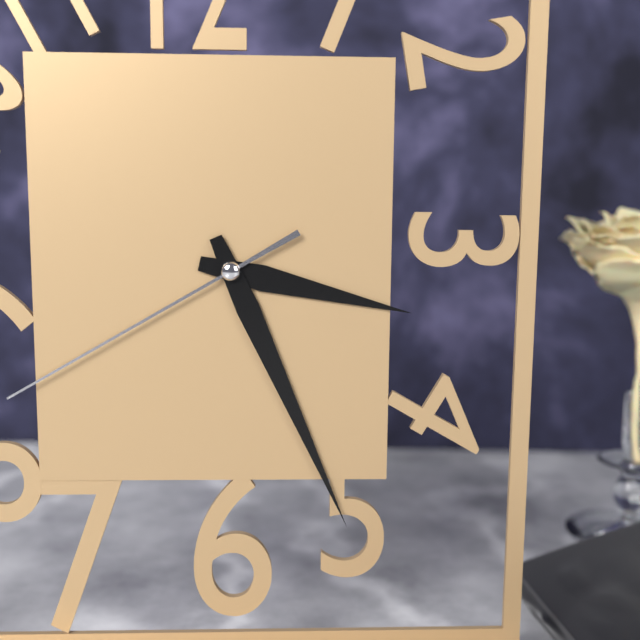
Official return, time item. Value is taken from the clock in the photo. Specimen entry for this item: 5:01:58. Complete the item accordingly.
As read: 3:26:40
